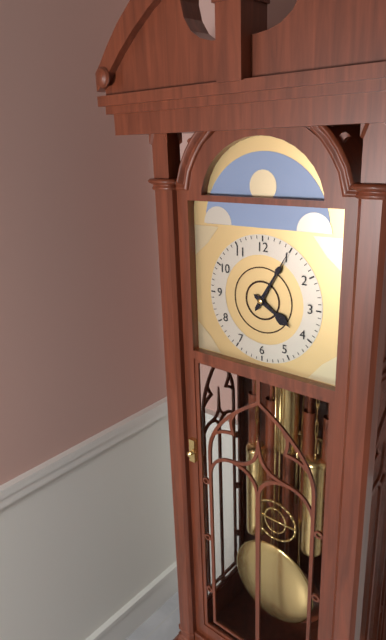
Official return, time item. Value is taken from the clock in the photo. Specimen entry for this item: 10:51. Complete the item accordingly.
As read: 4:05
